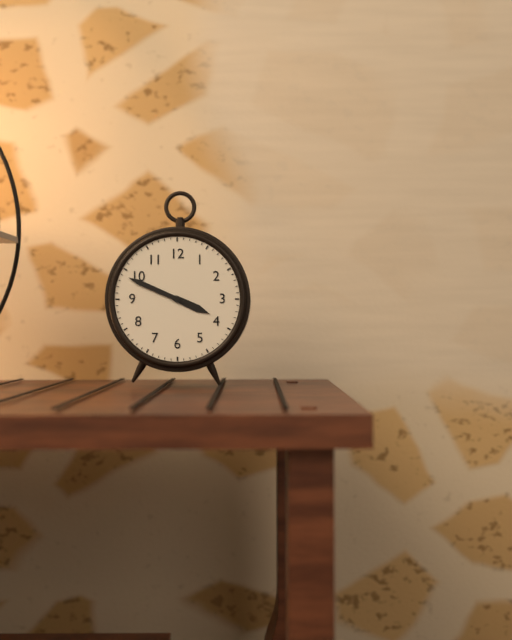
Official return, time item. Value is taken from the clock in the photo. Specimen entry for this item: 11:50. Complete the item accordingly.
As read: 3:49
